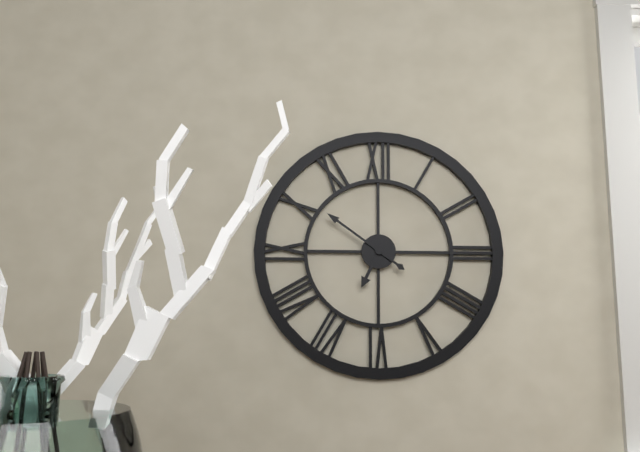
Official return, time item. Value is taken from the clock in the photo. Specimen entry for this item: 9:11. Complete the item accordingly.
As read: 6:51
